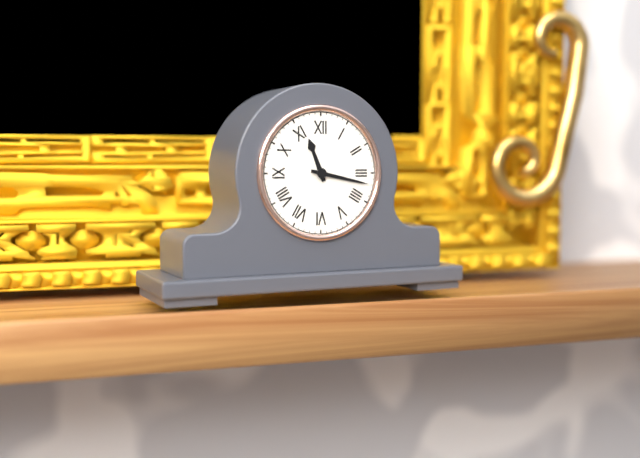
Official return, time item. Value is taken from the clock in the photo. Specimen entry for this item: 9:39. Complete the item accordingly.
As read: 11:17
